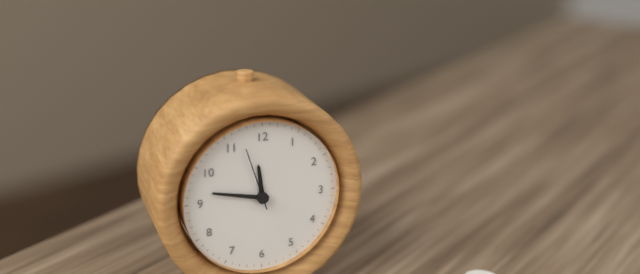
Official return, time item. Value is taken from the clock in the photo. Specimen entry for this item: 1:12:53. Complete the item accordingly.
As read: 11:47:57
